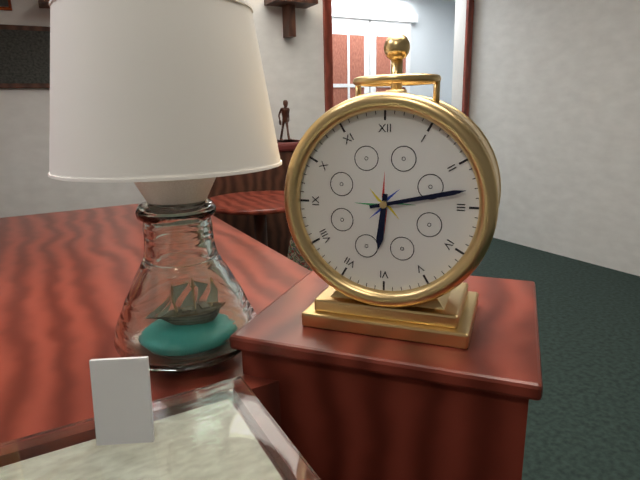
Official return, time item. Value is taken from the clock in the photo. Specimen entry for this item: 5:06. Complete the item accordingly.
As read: 6:13
